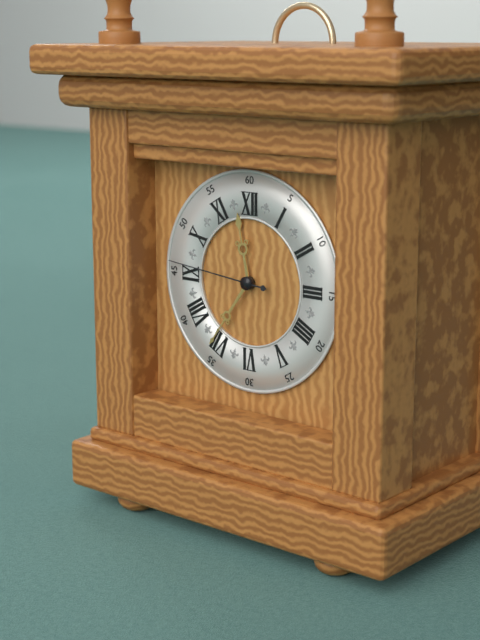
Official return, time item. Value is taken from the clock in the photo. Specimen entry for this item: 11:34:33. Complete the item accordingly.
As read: 11:36:46
